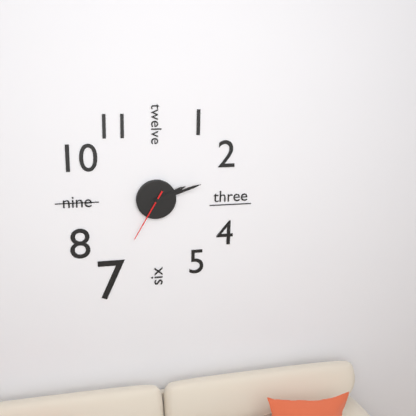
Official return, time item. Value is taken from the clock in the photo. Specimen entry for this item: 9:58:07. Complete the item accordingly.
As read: 2:12:35
